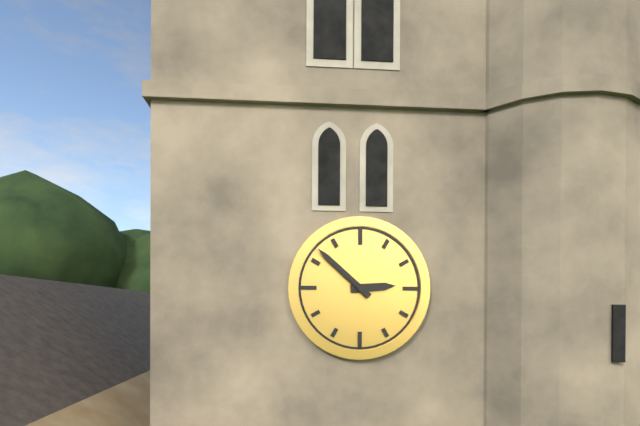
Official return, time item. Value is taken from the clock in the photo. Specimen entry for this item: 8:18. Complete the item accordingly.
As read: 2:52
